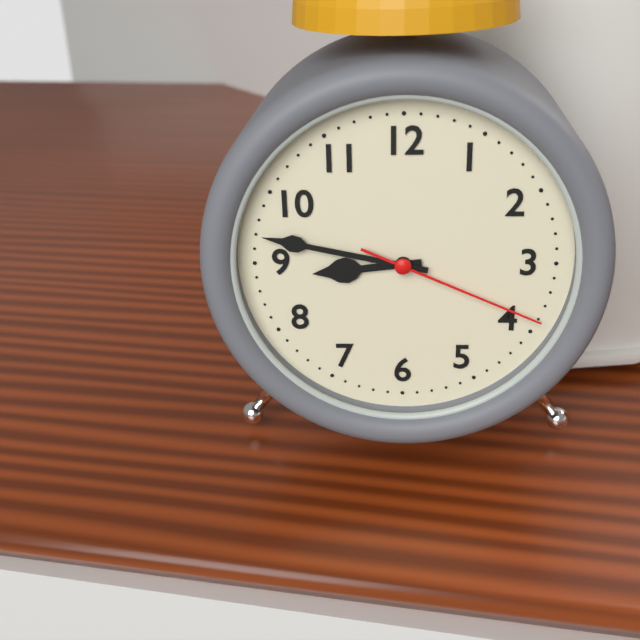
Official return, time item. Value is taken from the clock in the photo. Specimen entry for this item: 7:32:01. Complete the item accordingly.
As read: 8:47:19
